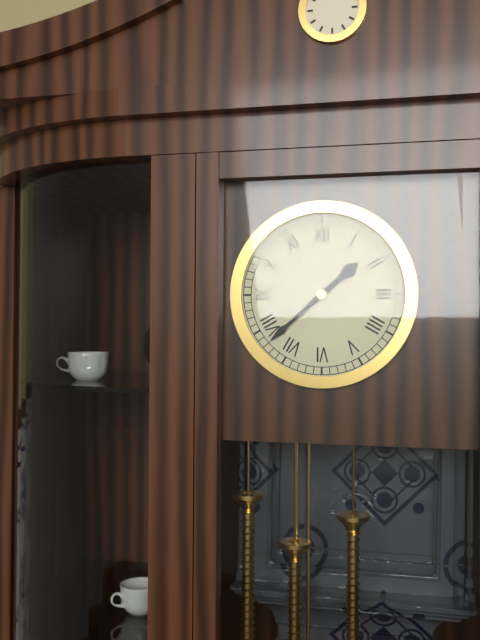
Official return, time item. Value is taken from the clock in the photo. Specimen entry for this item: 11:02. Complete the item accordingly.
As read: 1:38
